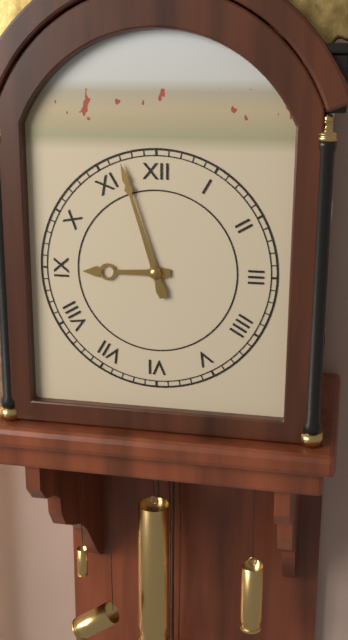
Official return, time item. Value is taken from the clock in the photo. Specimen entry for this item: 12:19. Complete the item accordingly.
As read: 8:57
